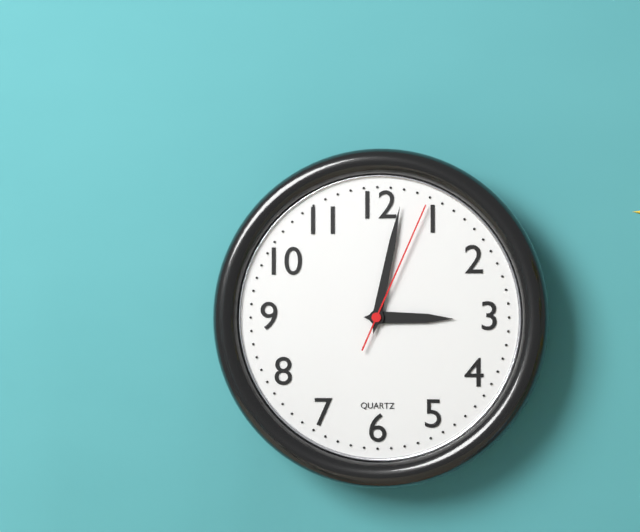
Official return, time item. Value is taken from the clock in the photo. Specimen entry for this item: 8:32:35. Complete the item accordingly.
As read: 3:02:04
